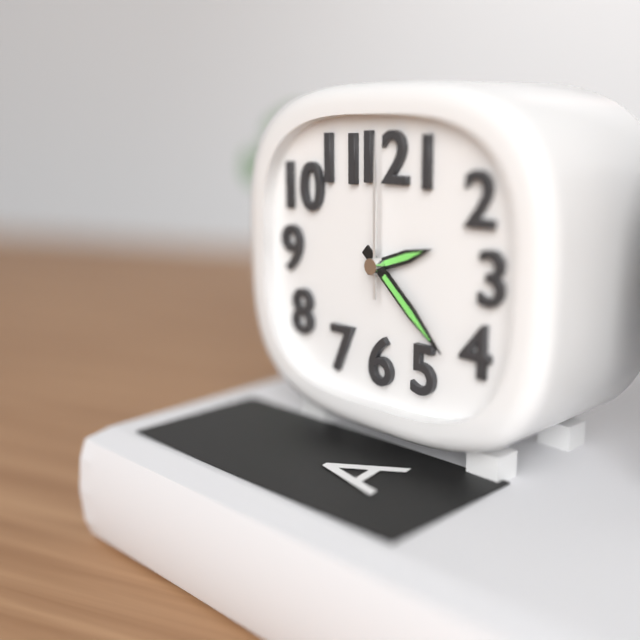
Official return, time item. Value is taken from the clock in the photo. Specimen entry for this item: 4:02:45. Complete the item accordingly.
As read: 2:22:00
